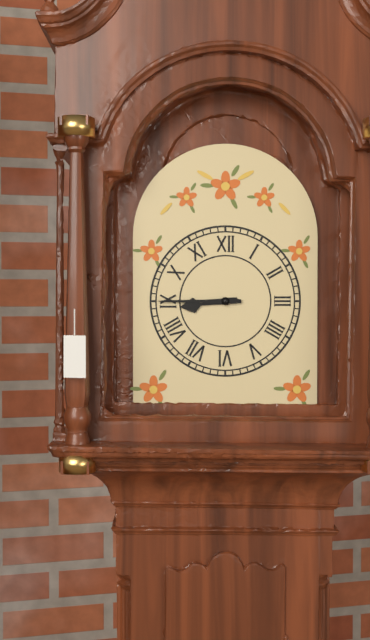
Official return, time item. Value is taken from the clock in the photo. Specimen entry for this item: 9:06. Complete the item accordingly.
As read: 8:45
